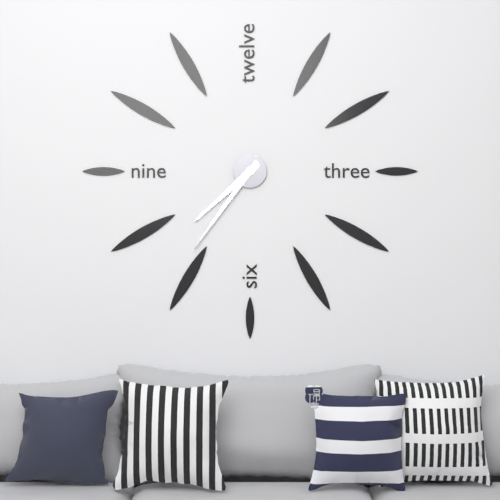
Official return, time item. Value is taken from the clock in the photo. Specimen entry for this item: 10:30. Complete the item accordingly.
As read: 7:36
